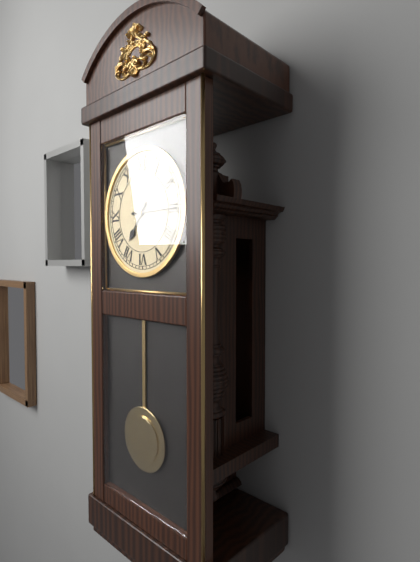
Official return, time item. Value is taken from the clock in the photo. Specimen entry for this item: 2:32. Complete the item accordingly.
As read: 7:15
